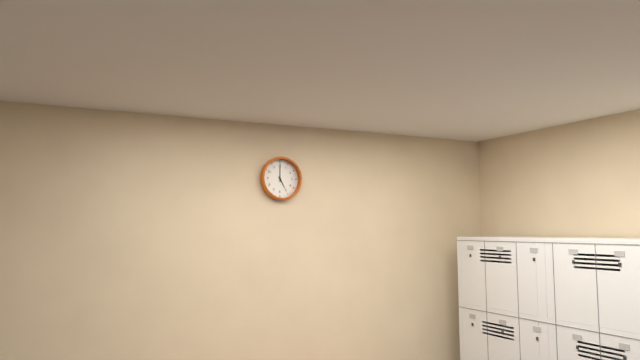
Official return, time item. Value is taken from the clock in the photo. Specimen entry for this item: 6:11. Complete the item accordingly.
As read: 5:00
